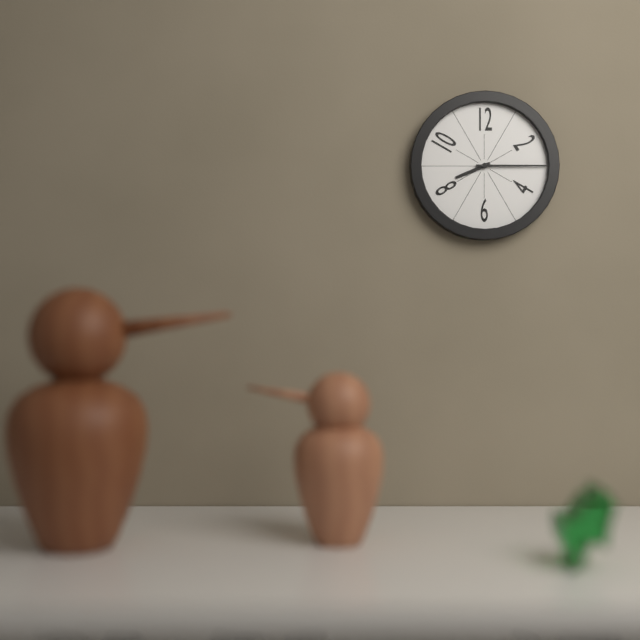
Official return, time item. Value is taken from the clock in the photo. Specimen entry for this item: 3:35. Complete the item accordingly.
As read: 8:15
